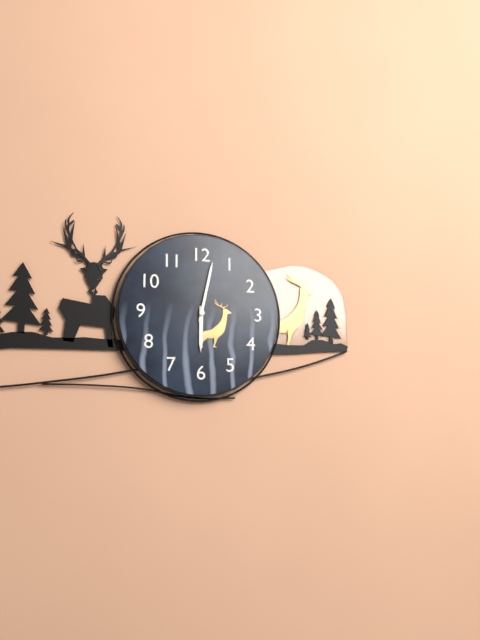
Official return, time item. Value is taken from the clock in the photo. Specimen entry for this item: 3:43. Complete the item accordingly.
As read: 6:02
